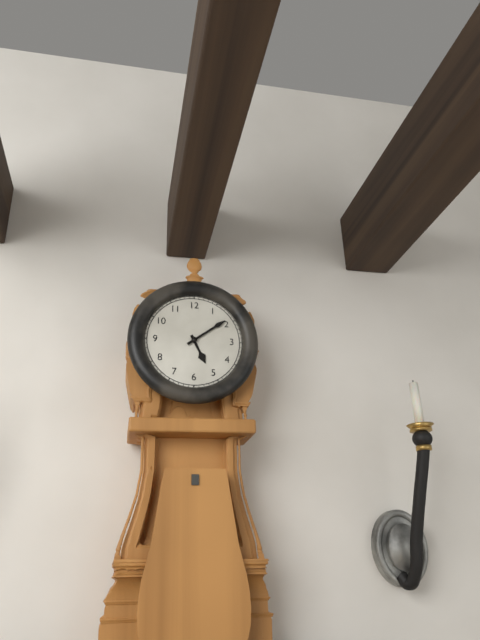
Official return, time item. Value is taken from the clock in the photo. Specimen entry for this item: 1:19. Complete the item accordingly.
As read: 5:09
